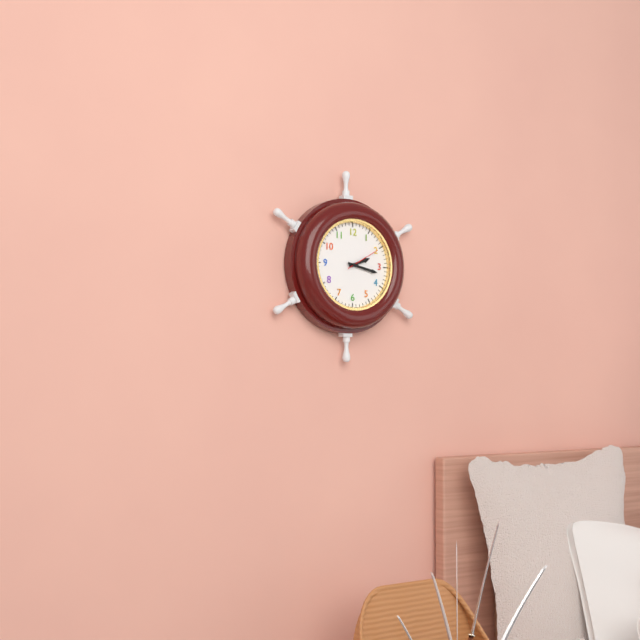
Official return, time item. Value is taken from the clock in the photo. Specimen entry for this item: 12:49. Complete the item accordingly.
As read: 2:17
